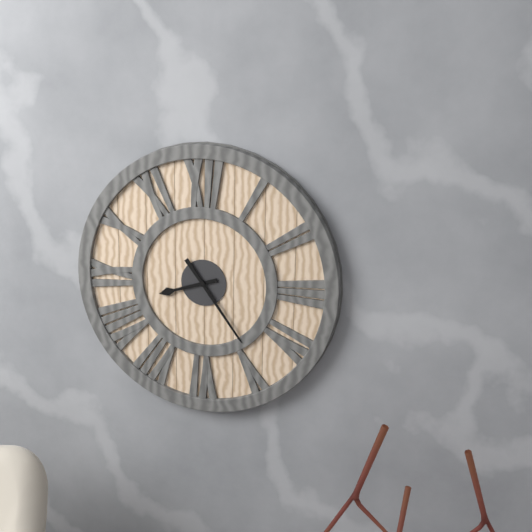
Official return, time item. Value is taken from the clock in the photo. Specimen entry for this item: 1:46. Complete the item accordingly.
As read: 8:24
